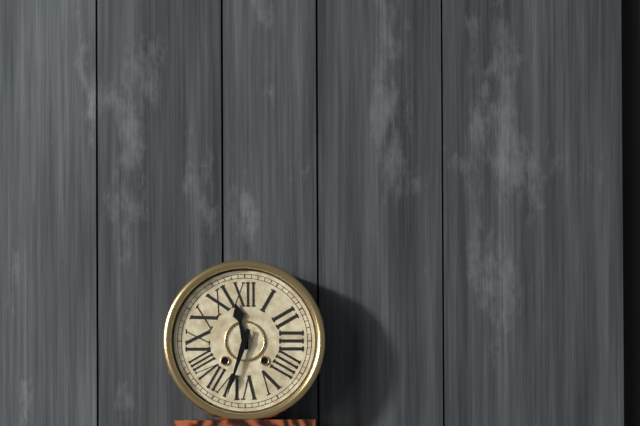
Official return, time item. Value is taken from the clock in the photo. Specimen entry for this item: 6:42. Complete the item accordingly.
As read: 11:33
